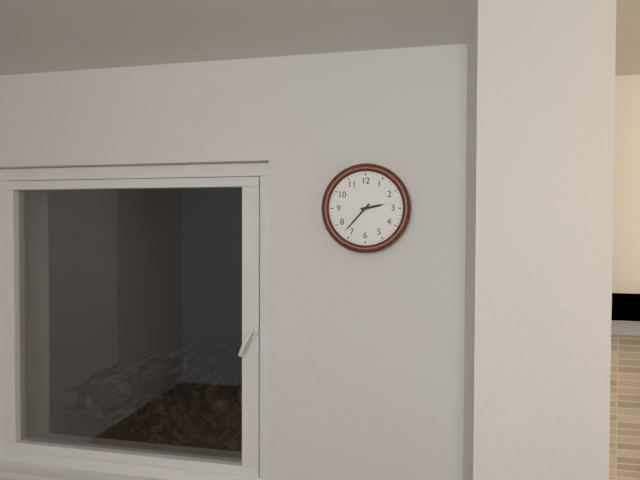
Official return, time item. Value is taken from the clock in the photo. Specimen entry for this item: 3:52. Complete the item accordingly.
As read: 2:37
